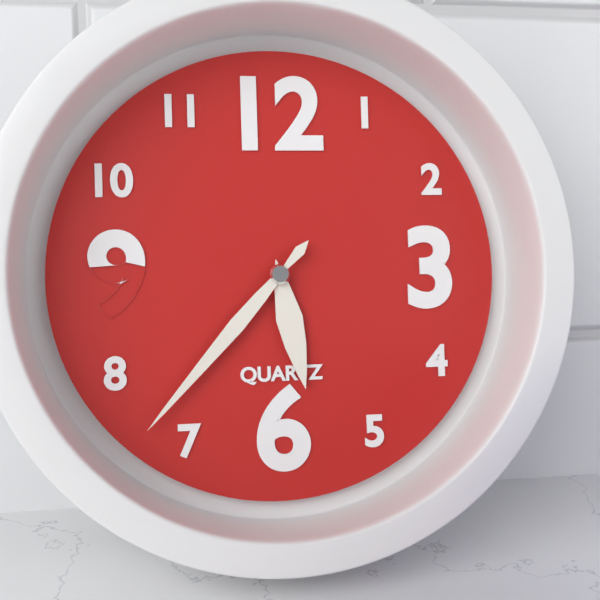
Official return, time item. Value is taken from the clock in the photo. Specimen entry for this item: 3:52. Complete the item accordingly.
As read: 5:37
